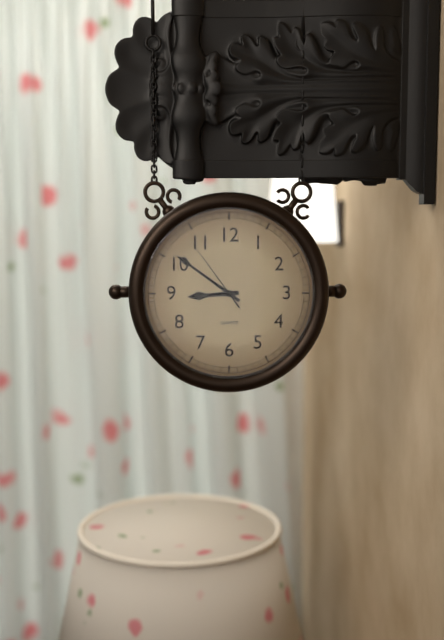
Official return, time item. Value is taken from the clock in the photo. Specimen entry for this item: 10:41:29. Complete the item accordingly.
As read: 8:51:54
